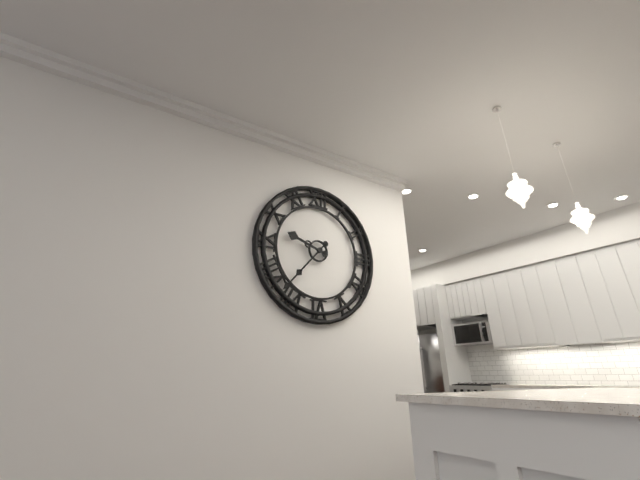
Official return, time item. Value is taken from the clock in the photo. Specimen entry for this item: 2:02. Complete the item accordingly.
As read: 9:37
